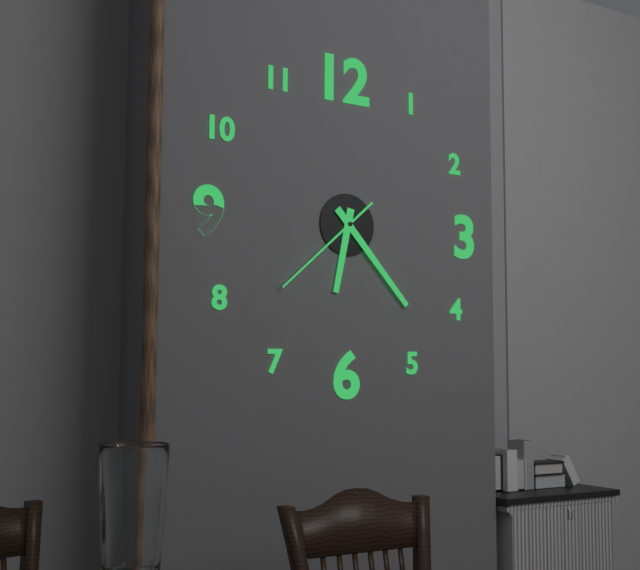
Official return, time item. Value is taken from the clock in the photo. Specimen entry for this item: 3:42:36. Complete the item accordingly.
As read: 6:23:38
